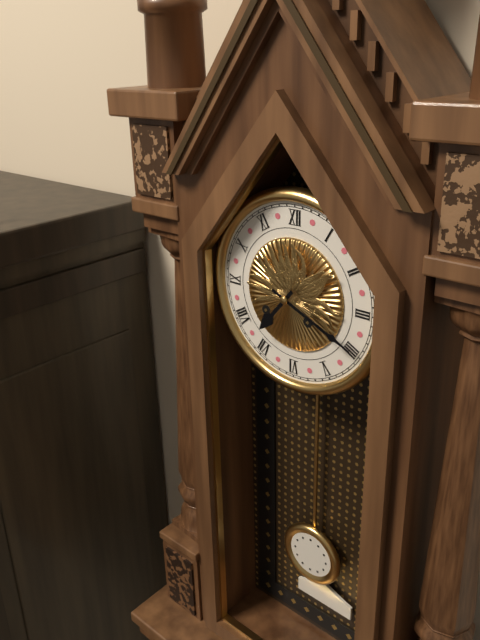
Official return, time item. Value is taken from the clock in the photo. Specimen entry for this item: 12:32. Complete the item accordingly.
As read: 7:19
